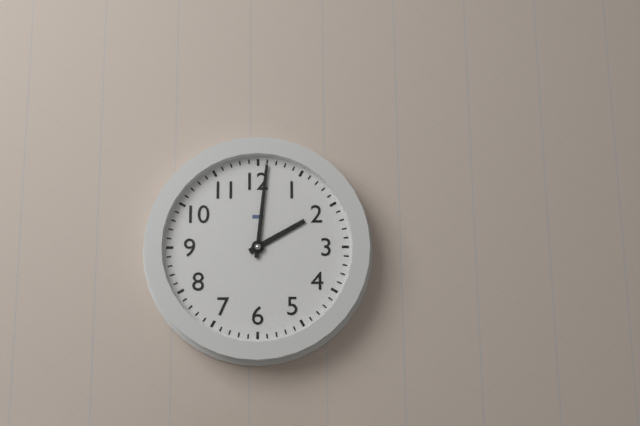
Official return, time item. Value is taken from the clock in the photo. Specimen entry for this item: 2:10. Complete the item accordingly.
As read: 2:01
